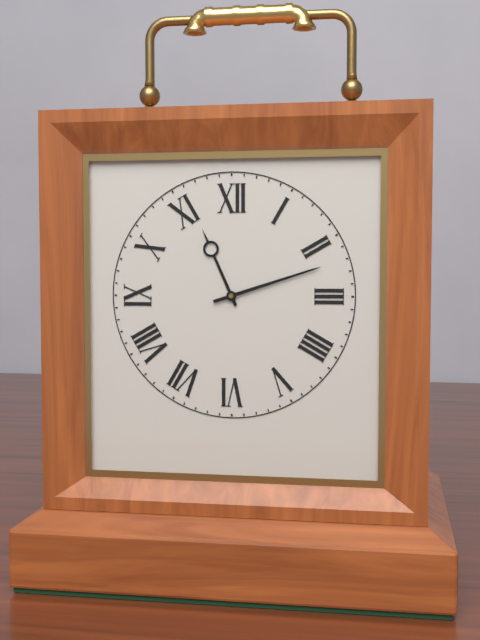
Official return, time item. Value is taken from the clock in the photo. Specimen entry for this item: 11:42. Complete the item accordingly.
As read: 11:12
